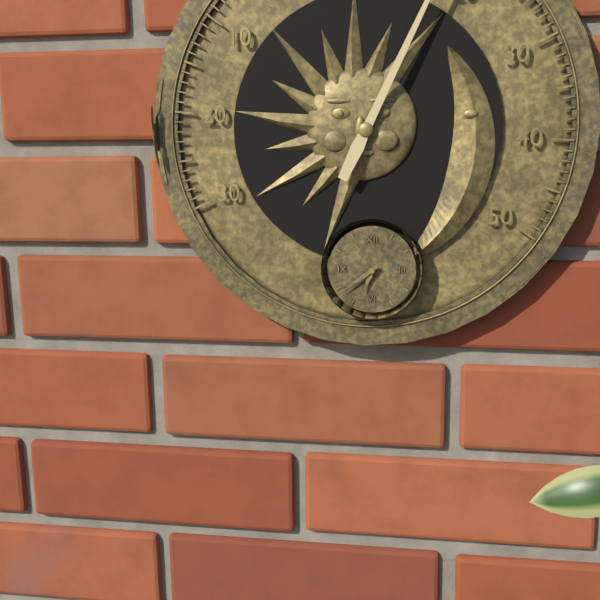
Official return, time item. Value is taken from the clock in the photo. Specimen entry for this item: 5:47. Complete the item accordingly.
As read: 6:39
